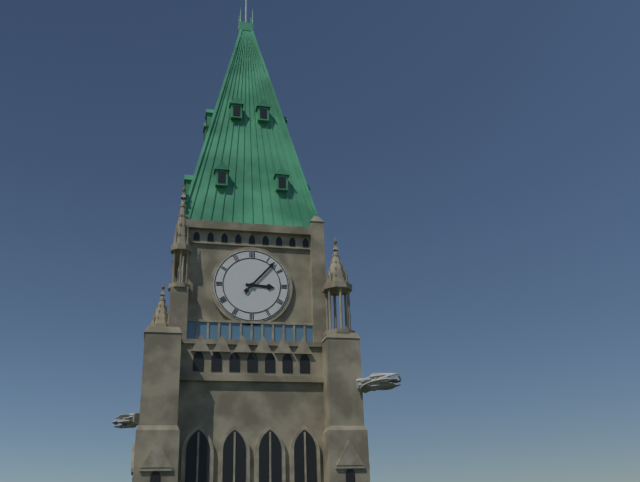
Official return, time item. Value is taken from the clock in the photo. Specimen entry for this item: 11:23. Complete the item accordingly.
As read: 3:07
